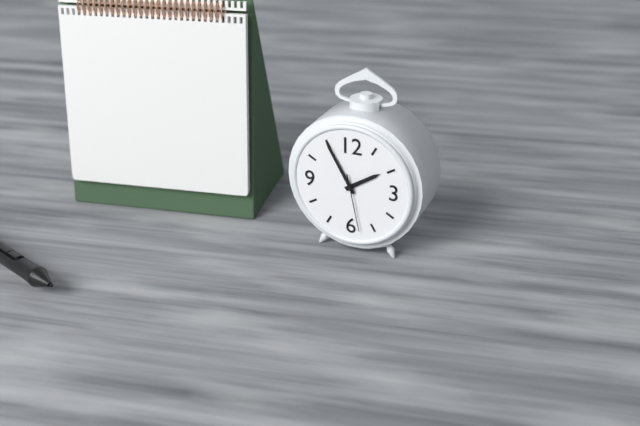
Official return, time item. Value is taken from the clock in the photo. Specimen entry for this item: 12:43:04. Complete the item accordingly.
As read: 1:55:28
